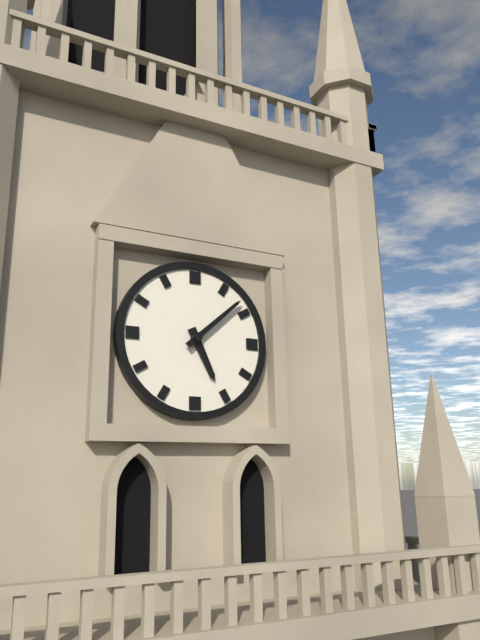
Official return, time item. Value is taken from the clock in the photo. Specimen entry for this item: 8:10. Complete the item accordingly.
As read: 5:08
